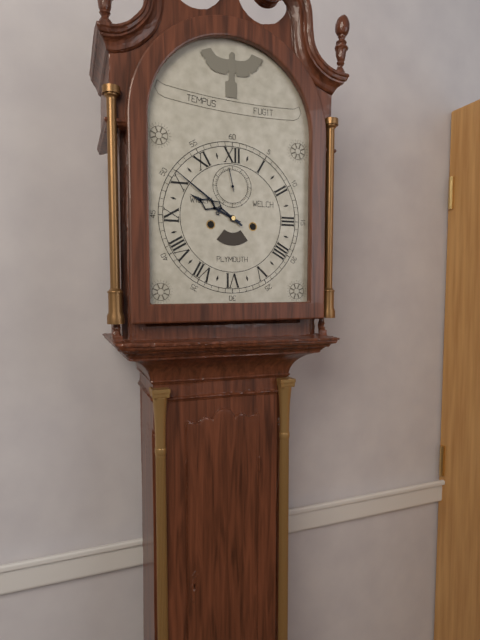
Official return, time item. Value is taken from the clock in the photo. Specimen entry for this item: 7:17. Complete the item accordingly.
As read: 9:51
